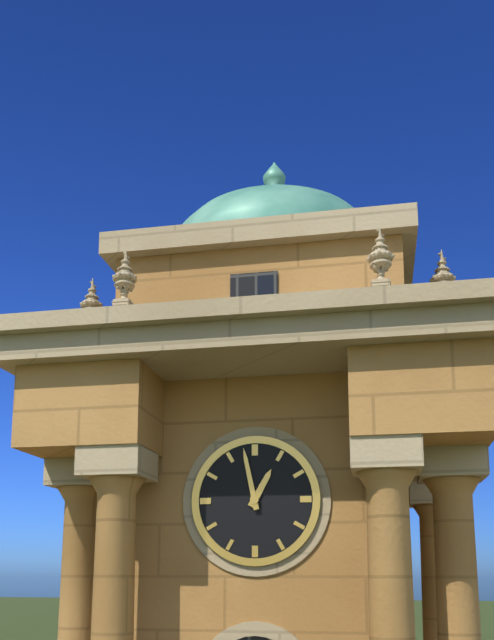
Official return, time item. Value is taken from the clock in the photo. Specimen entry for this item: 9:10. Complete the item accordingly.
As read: 12:58
